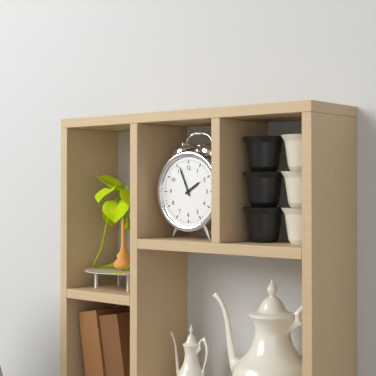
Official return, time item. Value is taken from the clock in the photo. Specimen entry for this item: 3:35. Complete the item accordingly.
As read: 1:56
